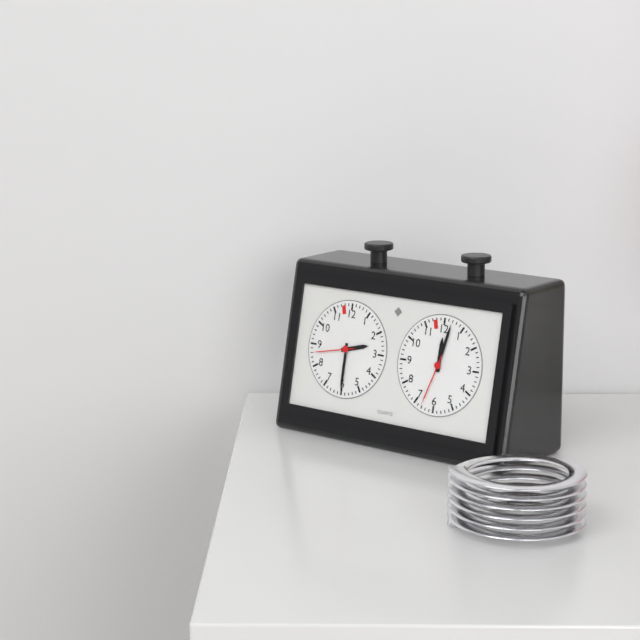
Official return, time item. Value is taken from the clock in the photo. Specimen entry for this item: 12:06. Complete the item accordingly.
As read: 2:30
